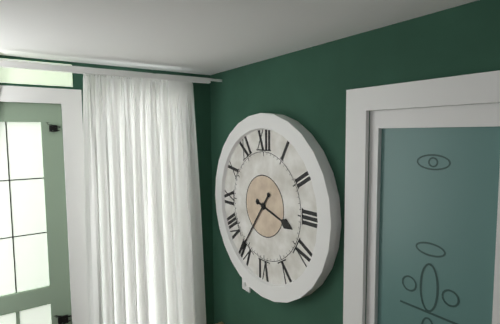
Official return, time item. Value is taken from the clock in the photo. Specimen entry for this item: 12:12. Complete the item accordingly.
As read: 3:36
